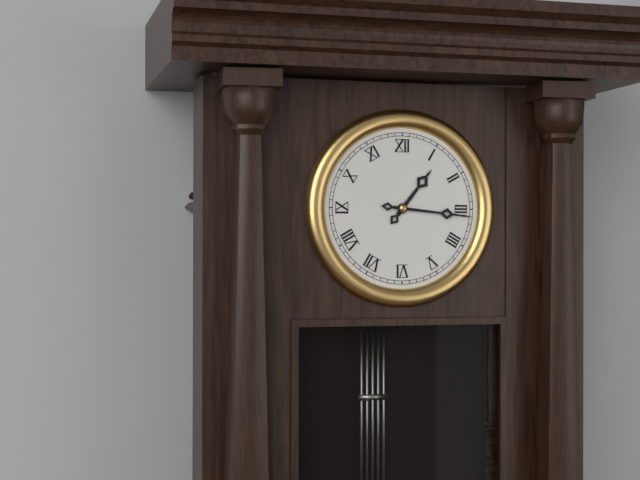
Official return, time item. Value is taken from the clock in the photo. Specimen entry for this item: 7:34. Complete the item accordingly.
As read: 1:16
